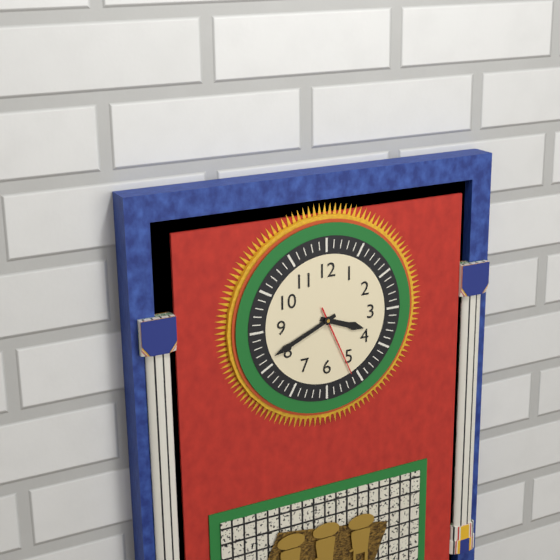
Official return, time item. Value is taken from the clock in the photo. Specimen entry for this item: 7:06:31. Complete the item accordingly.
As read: 3:41:26
